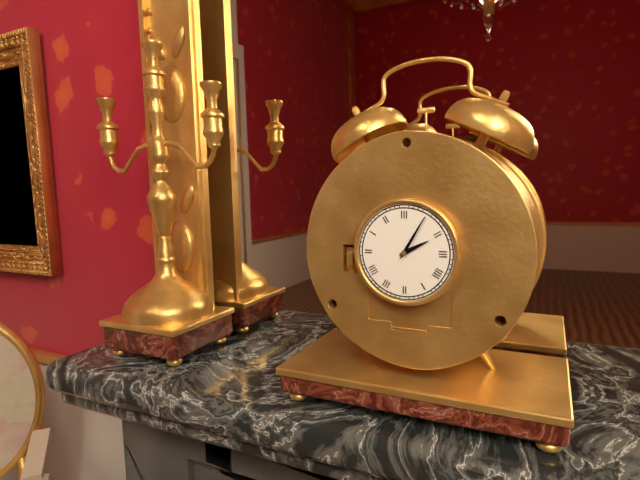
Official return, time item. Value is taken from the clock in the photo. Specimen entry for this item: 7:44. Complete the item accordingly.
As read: 2:05
